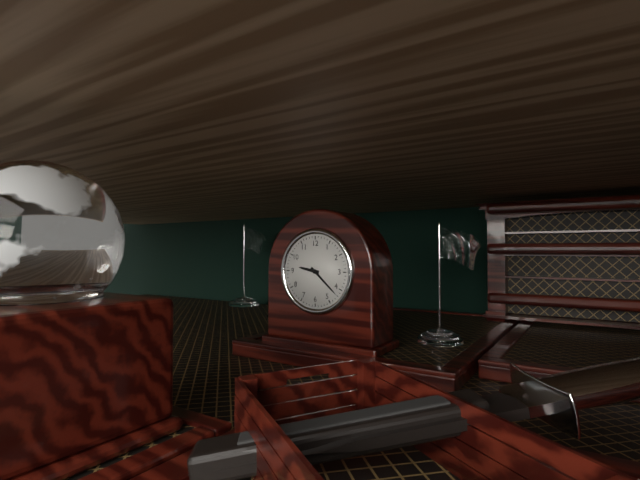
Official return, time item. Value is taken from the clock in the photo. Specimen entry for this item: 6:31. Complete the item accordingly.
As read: 9:22
